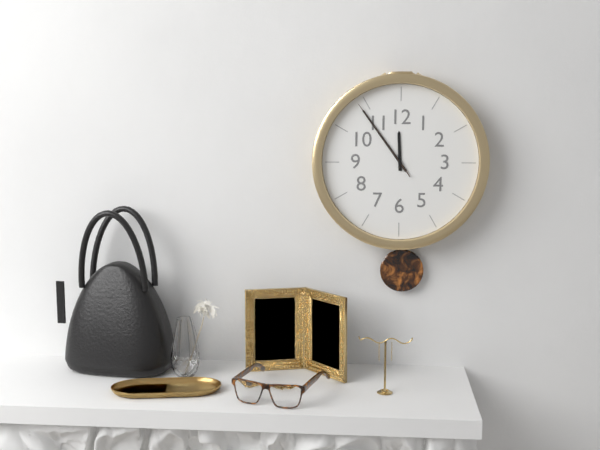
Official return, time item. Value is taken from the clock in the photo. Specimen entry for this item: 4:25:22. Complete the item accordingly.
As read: 11:54:54
